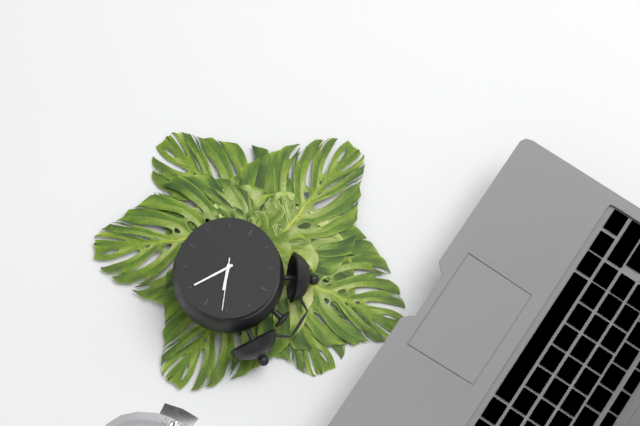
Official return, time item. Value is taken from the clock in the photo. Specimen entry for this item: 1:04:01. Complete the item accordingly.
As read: 2:20:11
